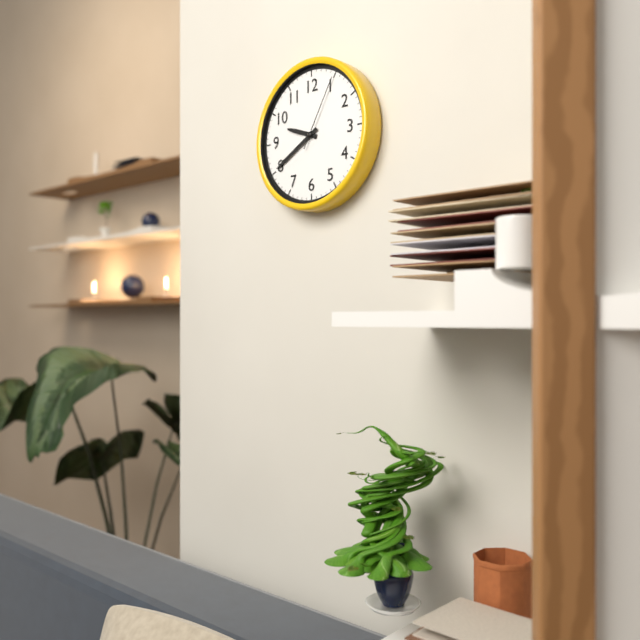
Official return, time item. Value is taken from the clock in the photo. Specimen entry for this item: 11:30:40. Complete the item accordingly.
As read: 9:40:05
